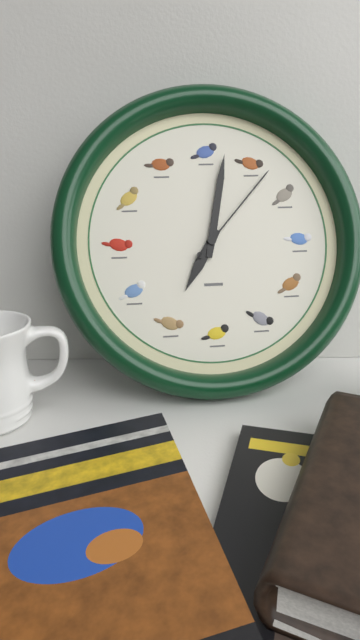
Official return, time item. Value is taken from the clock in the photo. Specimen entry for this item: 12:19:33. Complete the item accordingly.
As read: 7:02:07
